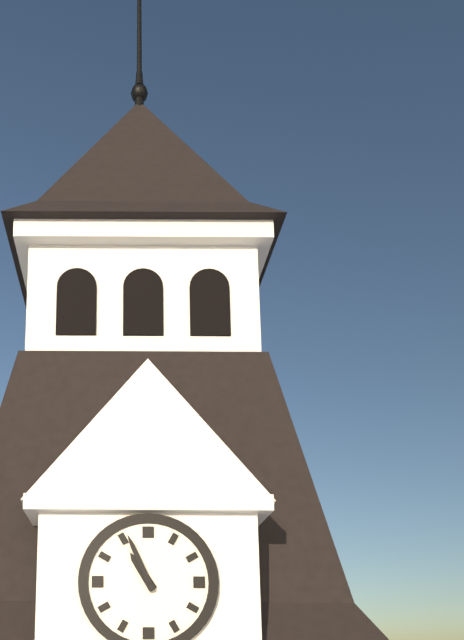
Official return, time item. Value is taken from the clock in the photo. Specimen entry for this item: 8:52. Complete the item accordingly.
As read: 10:56
